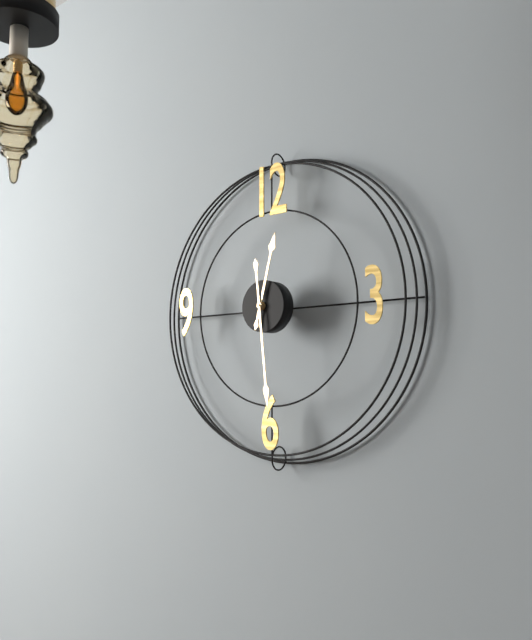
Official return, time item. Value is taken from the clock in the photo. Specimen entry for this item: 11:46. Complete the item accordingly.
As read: 12:29
